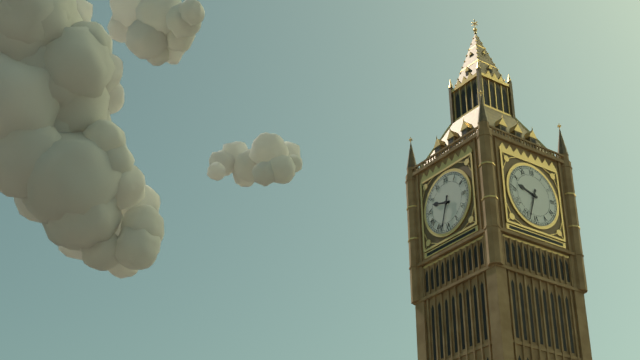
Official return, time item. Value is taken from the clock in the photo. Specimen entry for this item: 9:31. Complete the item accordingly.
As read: 9:33
